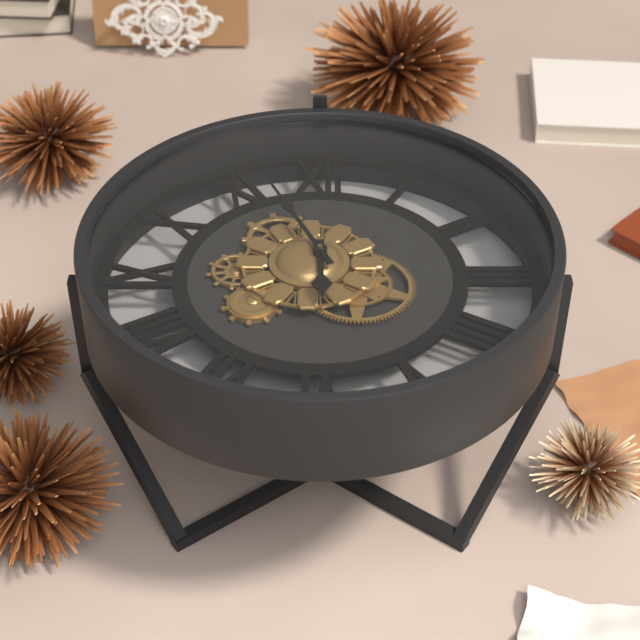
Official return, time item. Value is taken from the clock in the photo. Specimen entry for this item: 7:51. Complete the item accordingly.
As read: 5:56
